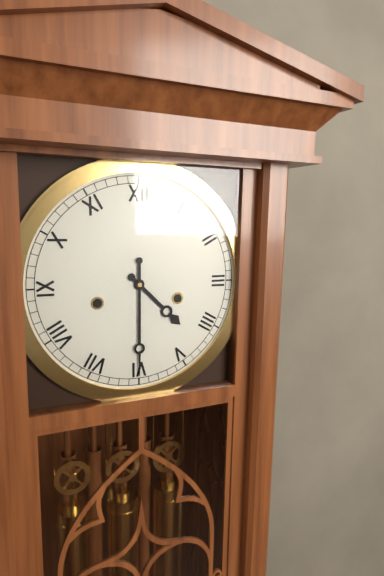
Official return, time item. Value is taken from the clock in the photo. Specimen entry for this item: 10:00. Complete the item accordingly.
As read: 4:30
